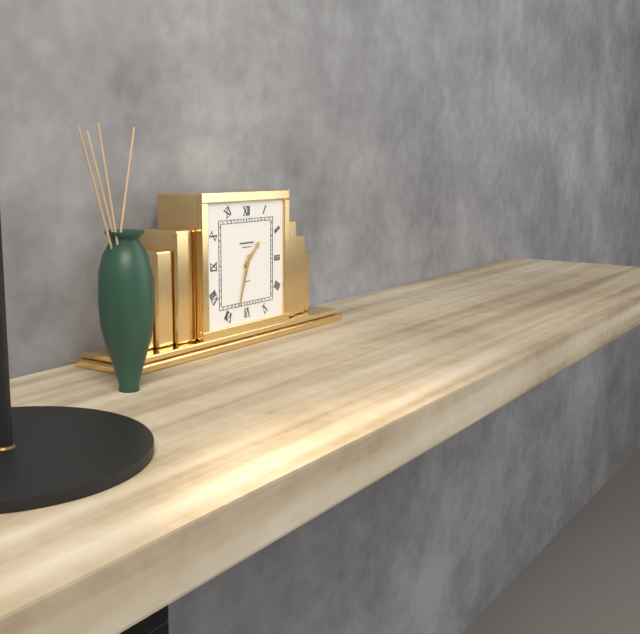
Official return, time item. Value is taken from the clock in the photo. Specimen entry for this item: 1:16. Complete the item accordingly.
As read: 1:33
